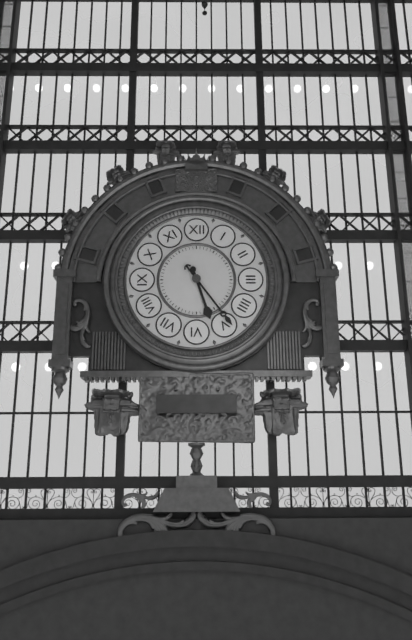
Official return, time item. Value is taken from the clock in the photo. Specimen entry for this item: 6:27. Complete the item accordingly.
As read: 5:24
